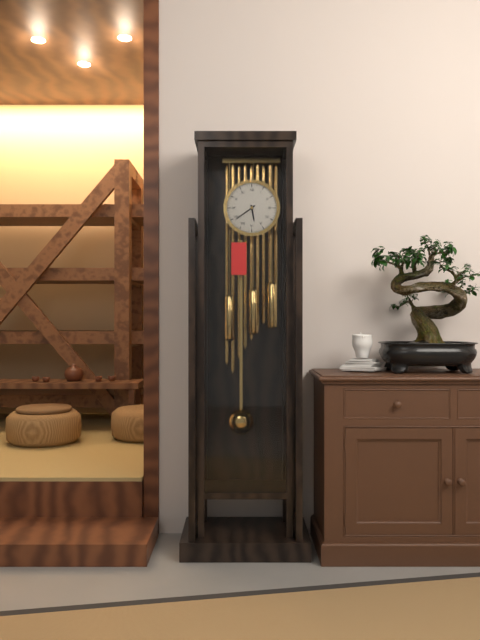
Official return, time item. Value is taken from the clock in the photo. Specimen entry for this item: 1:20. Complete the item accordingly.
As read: 5:39
